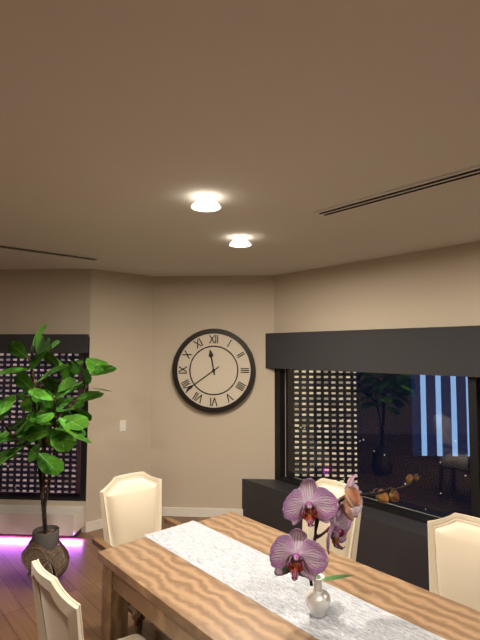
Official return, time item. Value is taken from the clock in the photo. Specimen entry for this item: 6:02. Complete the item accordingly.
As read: 11:39
